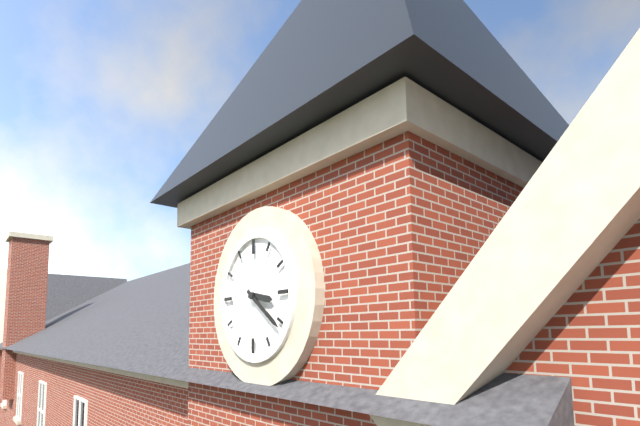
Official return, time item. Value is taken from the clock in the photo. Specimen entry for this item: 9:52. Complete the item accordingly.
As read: 3:21
